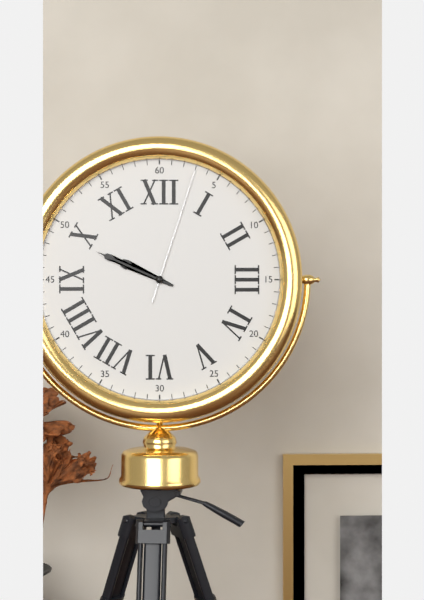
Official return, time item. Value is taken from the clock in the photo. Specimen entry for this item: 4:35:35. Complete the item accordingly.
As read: 9:49:03
